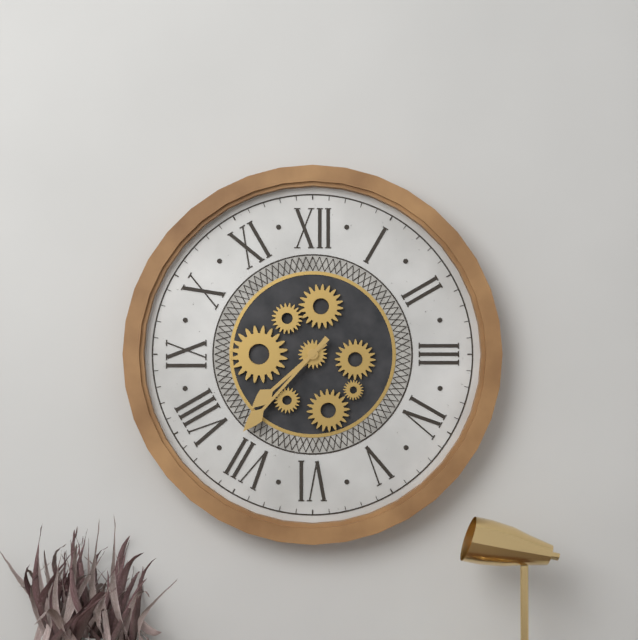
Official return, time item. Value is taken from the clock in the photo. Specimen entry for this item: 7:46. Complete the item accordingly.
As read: 7:37
